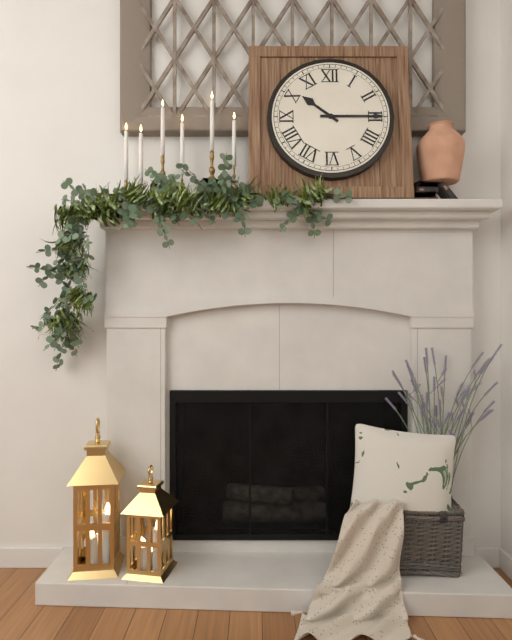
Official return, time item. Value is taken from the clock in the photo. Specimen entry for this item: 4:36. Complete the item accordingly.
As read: 10:15
